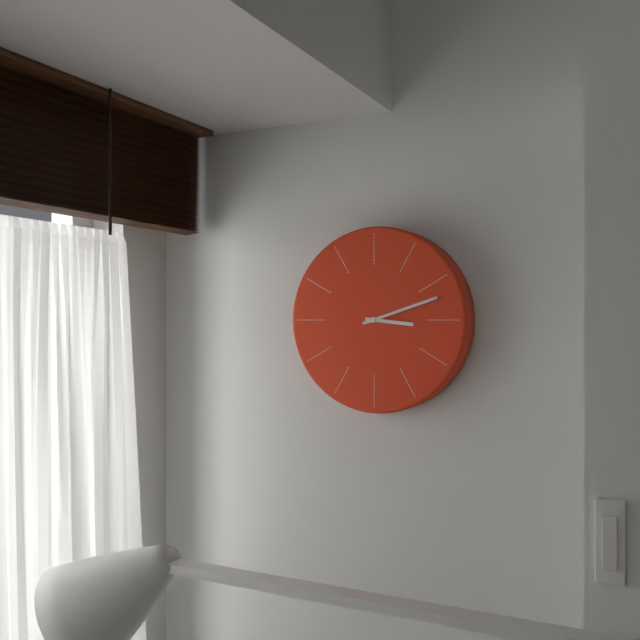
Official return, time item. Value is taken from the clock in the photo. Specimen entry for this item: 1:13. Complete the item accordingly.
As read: 3:12
